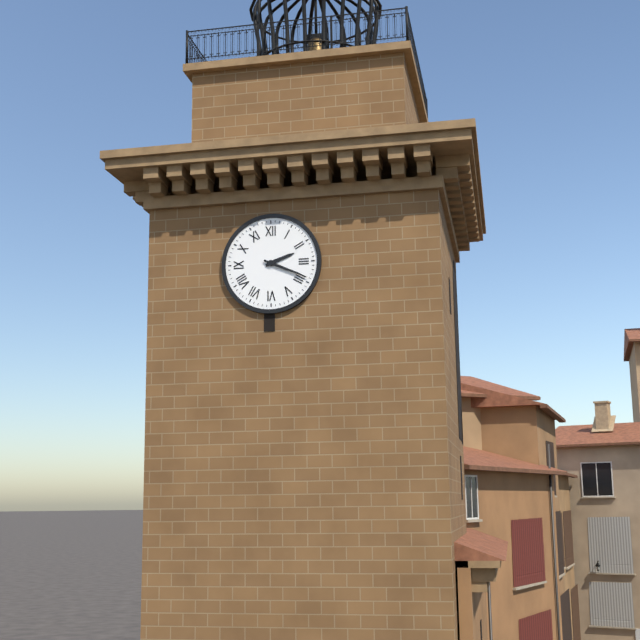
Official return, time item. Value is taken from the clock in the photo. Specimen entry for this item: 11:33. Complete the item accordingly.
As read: 2:19
